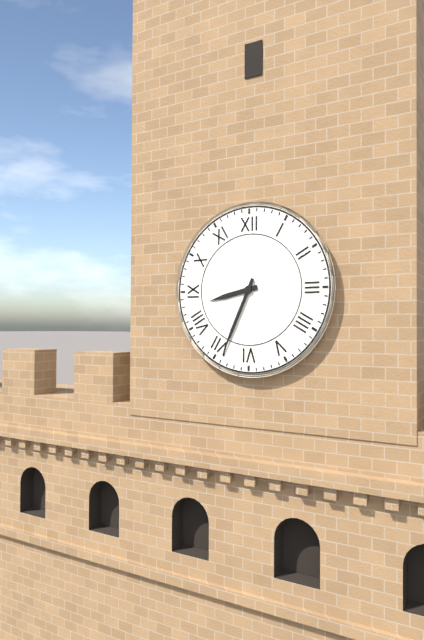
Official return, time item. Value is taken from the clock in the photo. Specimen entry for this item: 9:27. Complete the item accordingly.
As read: 8:34
